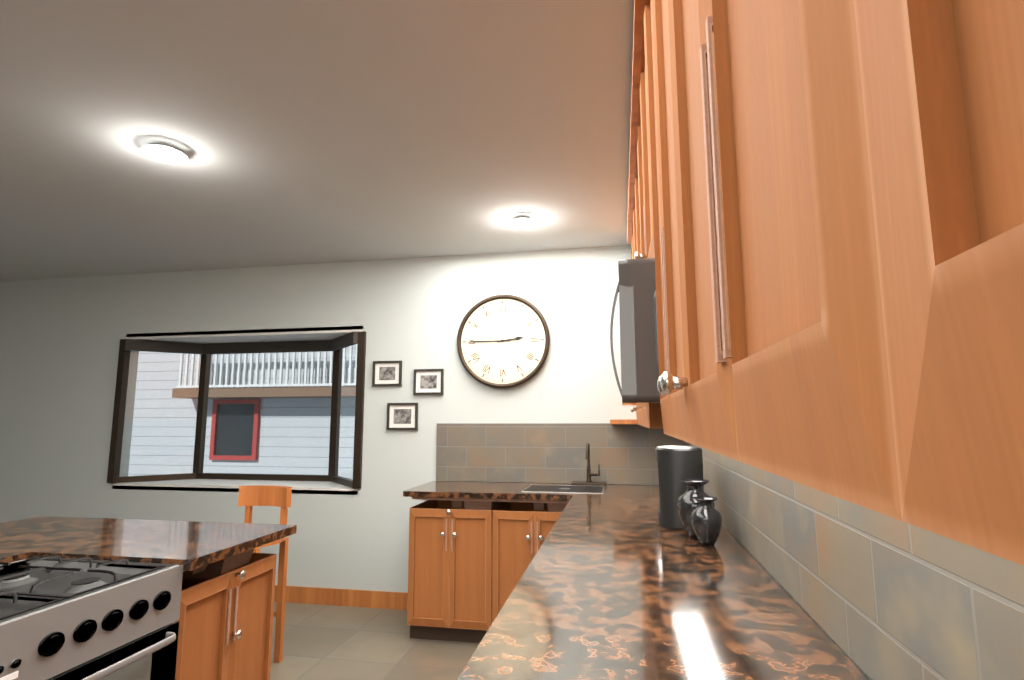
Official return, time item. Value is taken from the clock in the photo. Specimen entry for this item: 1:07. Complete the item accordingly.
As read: 2:45
